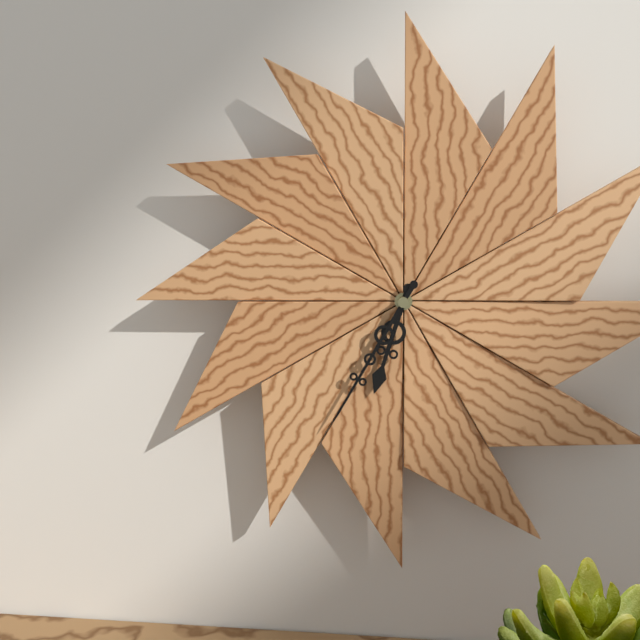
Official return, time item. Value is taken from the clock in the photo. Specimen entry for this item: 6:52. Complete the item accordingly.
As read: 6:35
